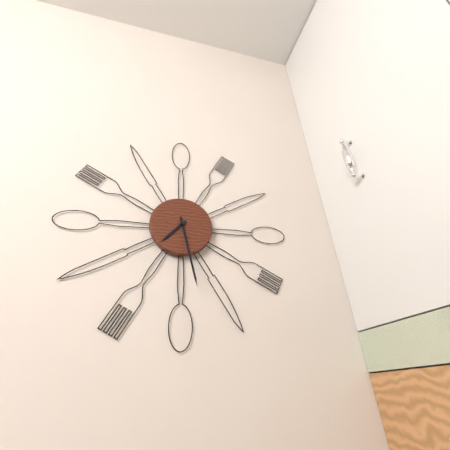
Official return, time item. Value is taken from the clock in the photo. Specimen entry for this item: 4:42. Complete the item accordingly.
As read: 7:28
